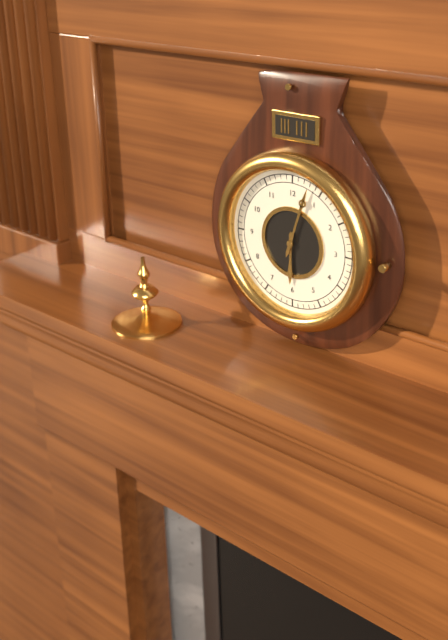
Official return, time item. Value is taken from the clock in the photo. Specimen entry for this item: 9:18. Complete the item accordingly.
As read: 6:03
